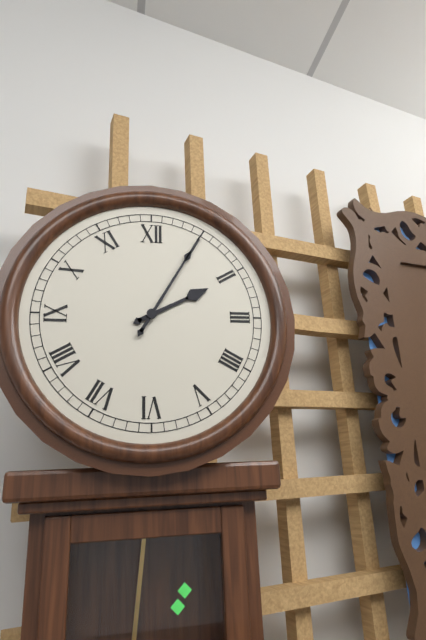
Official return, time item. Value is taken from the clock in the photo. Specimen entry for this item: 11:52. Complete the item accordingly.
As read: 2:05
